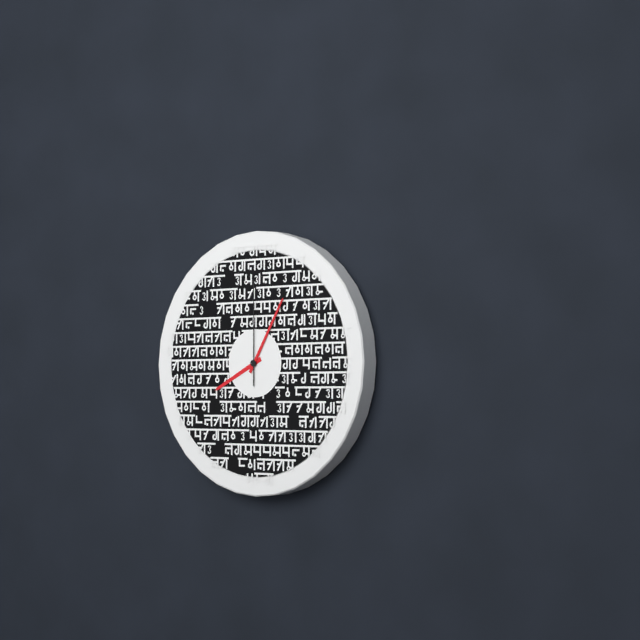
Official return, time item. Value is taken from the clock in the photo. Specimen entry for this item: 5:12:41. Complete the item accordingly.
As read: 8:05:00
